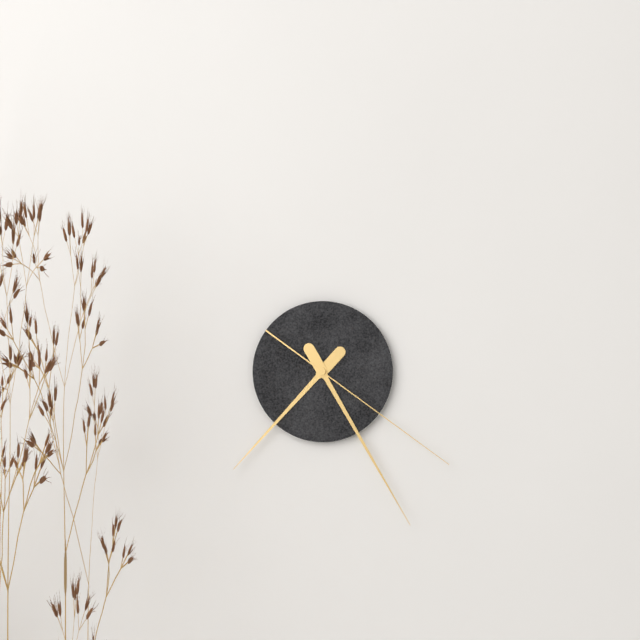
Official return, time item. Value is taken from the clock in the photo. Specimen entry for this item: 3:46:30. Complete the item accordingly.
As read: 7:25:21
